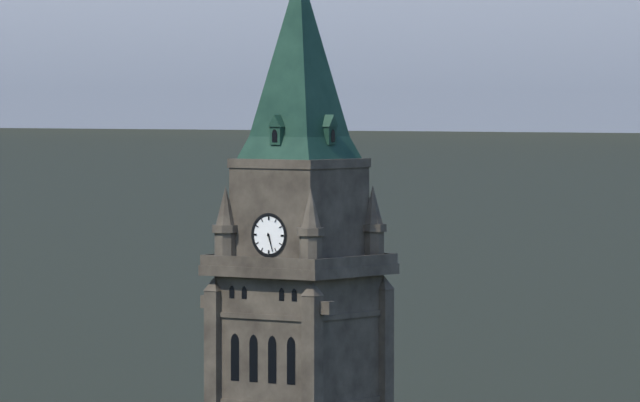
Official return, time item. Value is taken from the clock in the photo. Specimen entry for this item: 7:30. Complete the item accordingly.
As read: 5:27
